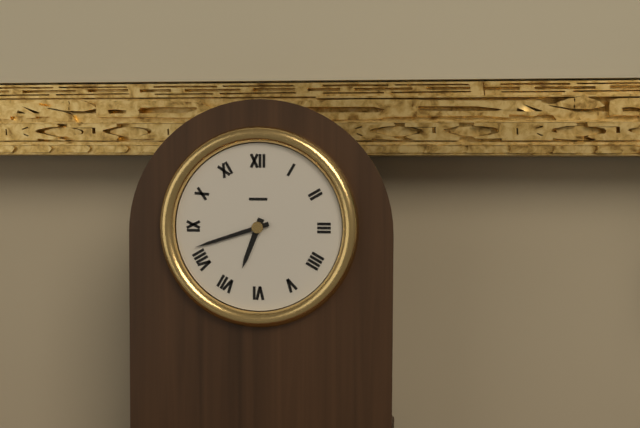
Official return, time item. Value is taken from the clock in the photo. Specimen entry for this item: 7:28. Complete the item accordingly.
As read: 6:42
